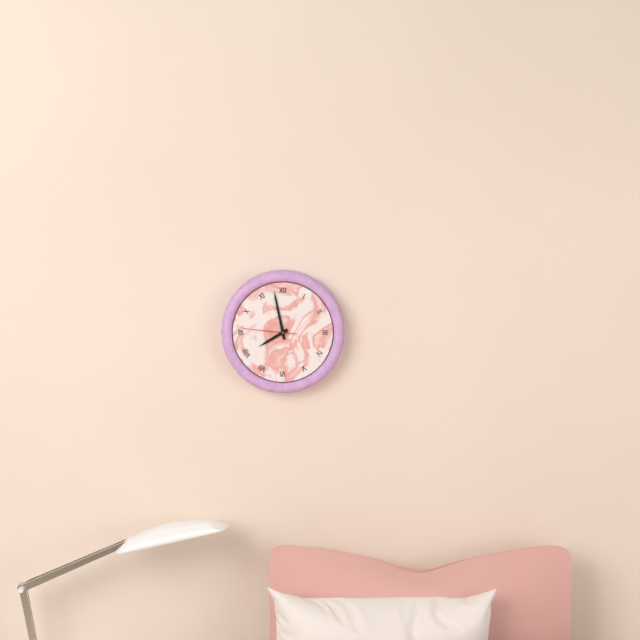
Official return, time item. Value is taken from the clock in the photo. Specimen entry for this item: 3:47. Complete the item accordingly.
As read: 7:58
